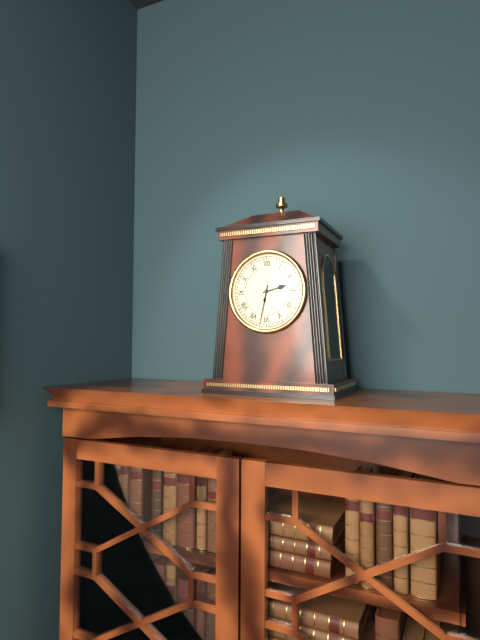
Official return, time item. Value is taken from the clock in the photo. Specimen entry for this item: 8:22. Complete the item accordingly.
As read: 2:32
